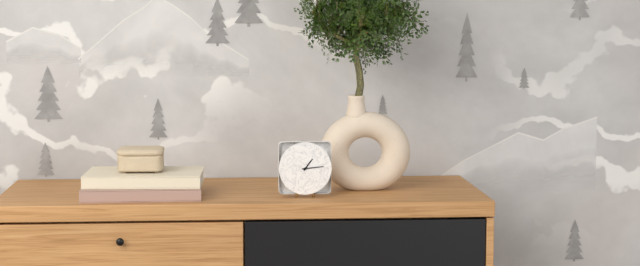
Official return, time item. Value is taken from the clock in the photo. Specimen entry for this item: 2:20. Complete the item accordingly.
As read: 1:14
